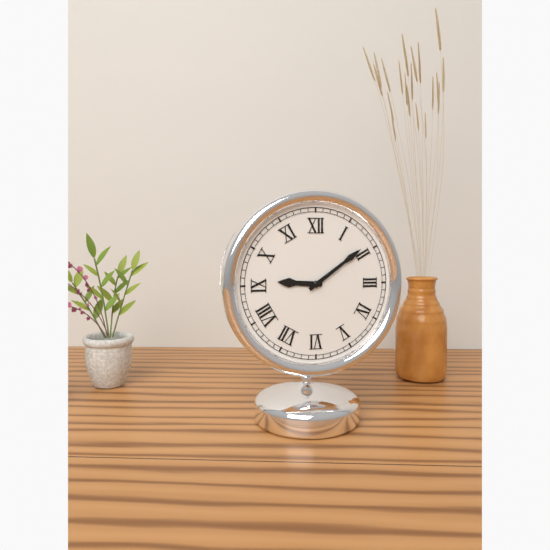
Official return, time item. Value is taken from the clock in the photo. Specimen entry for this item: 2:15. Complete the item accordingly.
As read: 9:09
